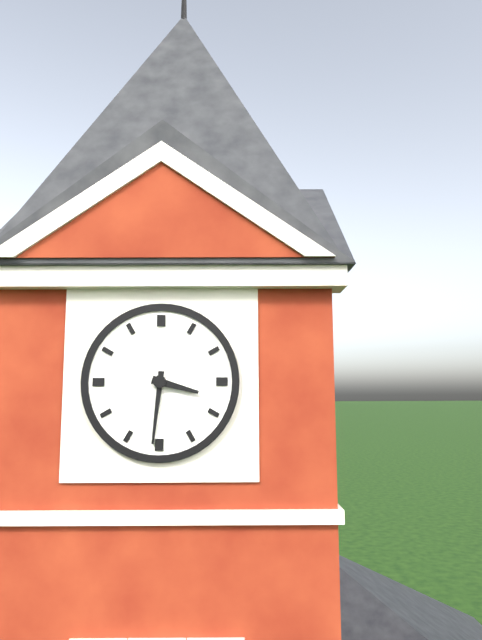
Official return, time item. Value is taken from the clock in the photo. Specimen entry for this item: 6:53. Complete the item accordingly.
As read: 3:31
